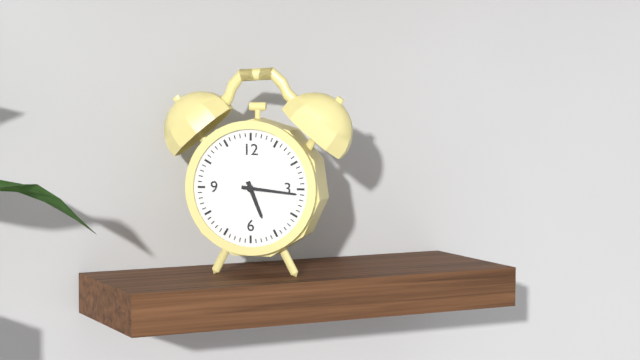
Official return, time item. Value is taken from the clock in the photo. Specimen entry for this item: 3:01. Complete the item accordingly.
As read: 5:16
